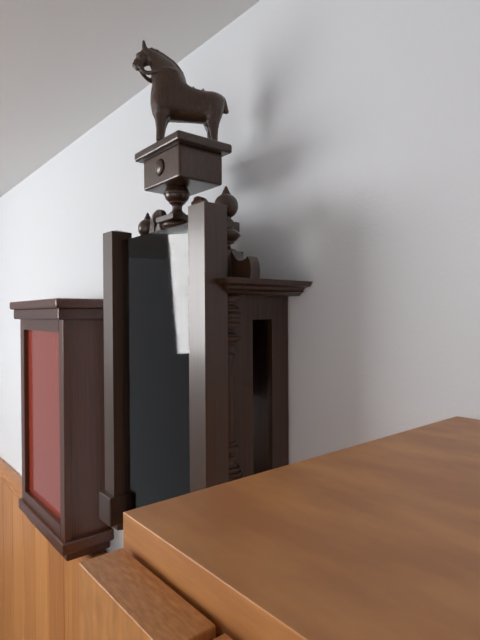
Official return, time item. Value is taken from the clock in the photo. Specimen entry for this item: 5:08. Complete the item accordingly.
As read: 5:51
